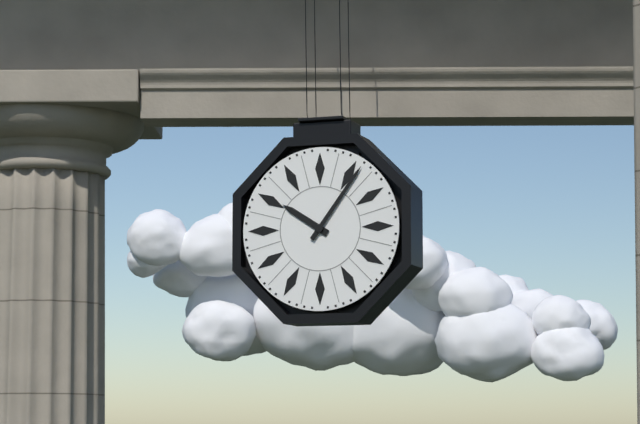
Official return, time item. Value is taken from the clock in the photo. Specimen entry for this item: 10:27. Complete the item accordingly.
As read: 10:06
